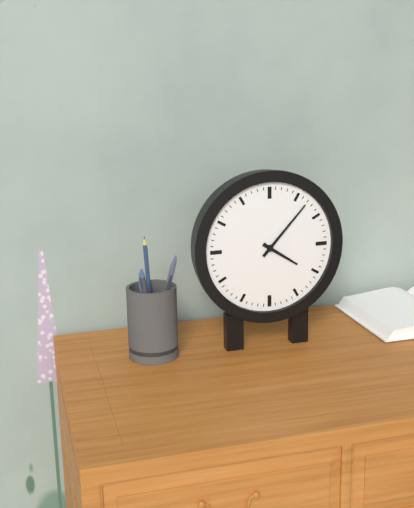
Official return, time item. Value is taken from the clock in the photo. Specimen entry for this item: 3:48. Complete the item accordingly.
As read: 4:07
